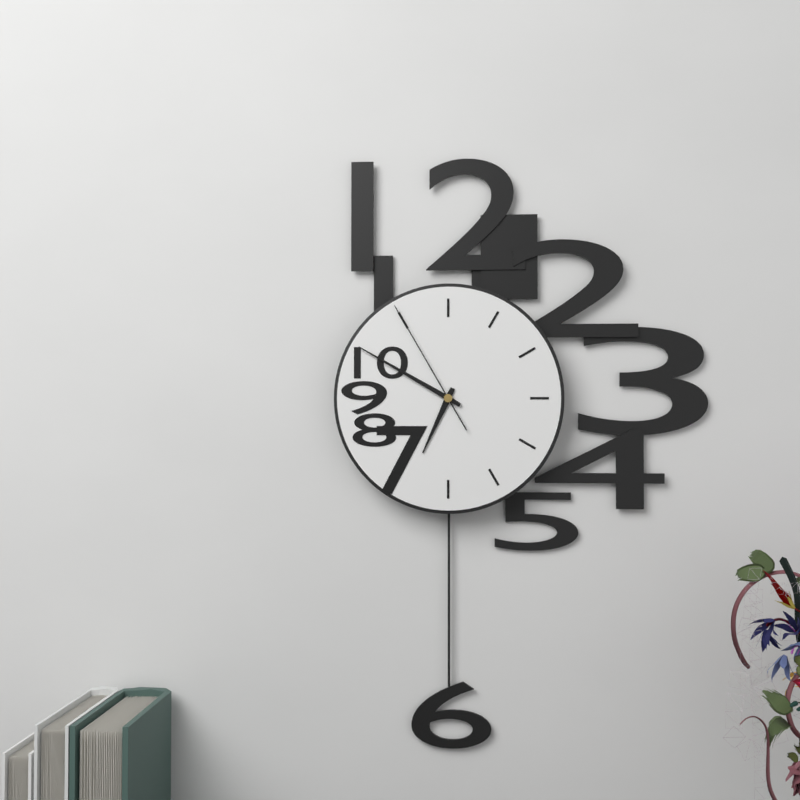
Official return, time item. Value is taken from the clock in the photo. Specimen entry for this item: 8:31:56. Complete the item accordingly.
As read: 6:50:55
